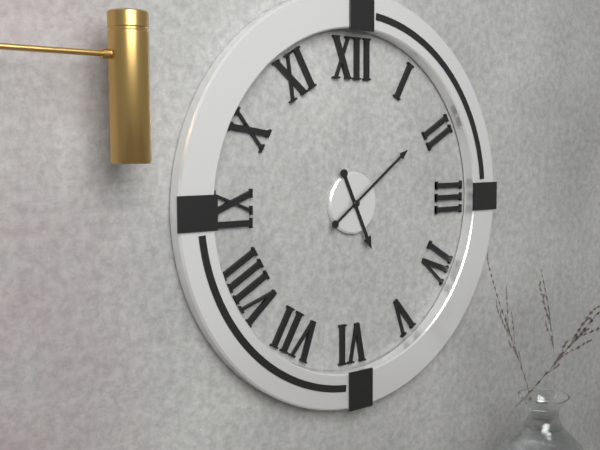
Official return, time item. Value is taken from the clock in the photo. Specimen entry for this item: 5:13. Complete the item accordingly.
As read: 5:09
